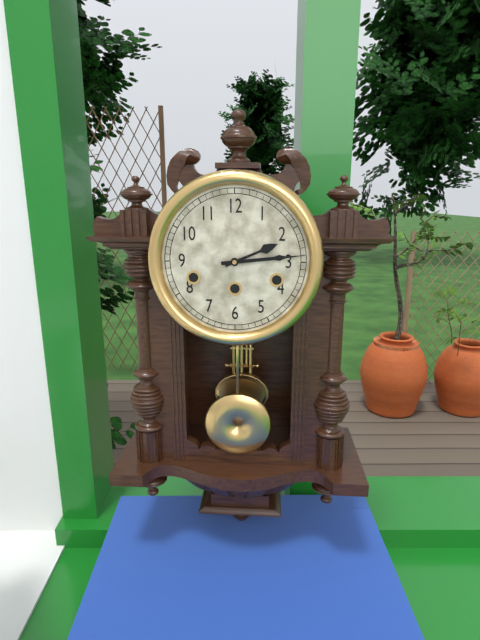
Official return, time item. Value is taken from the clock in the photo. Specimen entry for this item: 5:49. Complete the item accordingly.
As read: 2:14
